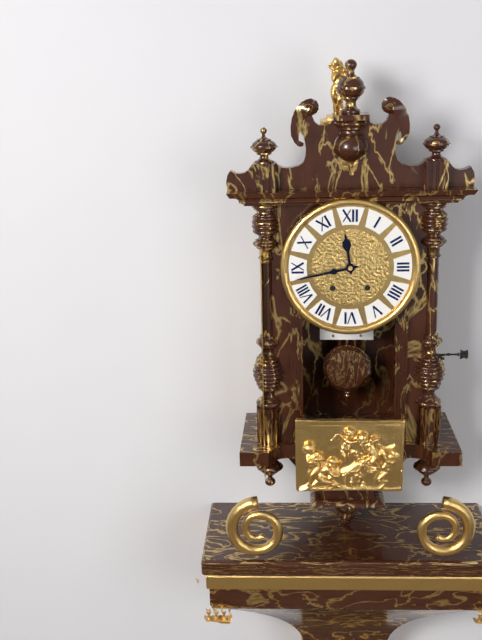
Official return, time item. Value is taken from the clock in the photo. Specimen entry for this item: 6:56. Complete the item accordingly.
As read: 11:43
